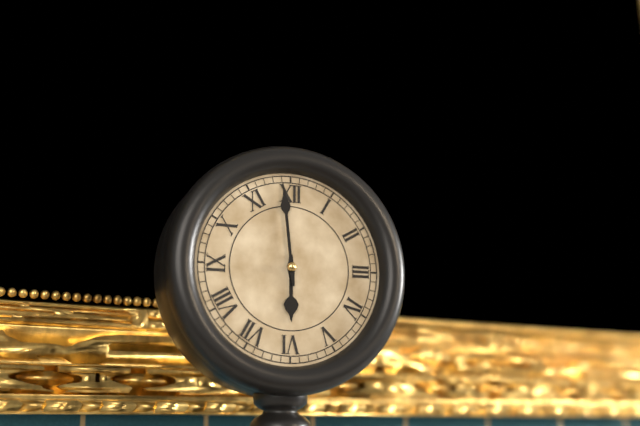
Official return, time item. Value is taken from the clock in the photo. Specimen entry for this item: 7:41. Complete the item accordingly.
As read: 5:59
